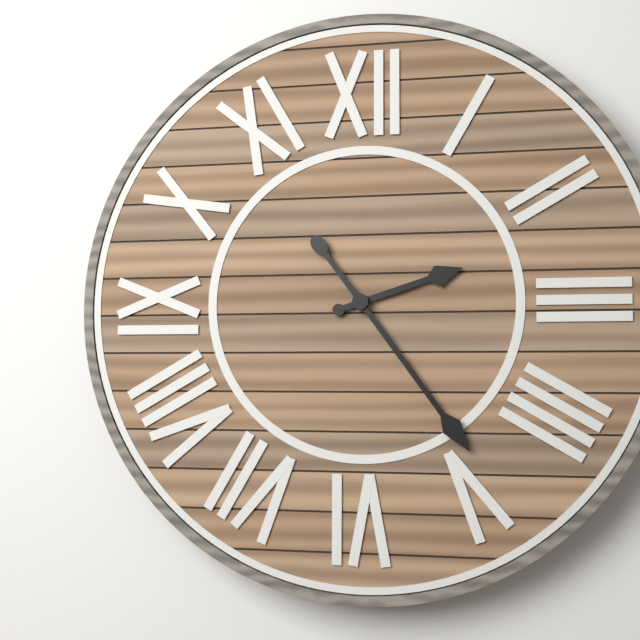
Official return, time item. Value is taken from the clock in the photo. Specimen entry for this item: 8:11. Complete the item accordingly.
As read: 2:24
